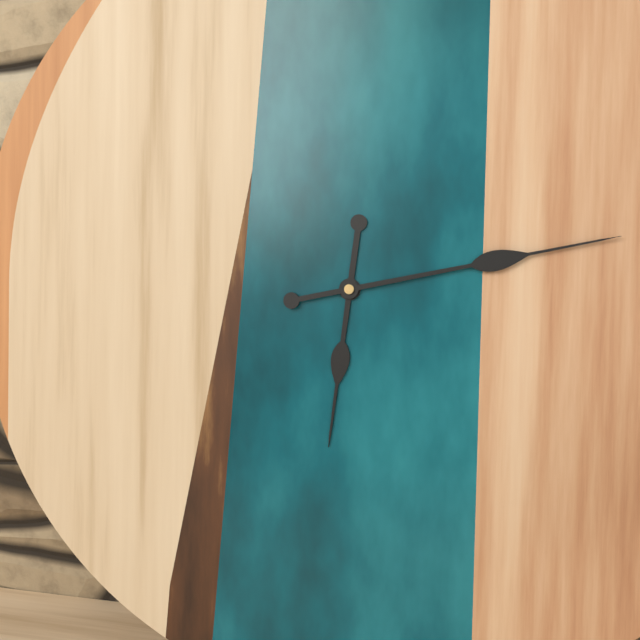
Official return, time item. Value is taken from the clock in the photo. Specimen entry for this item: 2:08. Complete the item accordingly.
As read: 6:13
